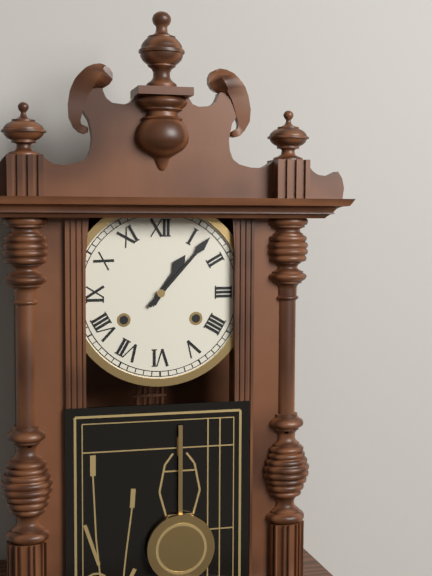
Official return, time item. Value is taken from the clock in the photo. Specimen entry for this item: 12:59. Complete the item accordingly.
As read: 1:07
